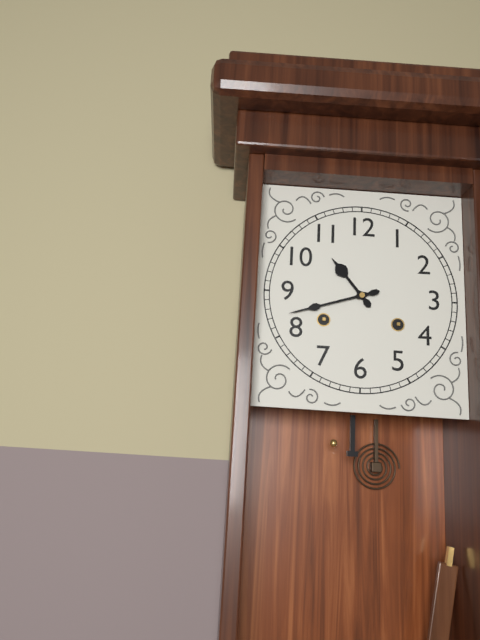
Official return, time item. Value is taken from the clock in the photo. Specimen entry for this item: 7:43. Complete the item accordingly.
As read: 10:42
